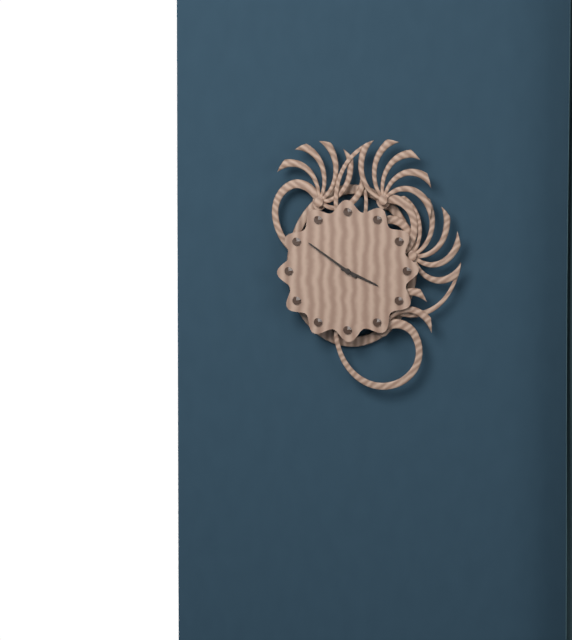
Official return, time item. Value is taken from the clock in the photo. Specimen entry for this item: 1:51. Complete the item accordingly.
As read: 3:51
